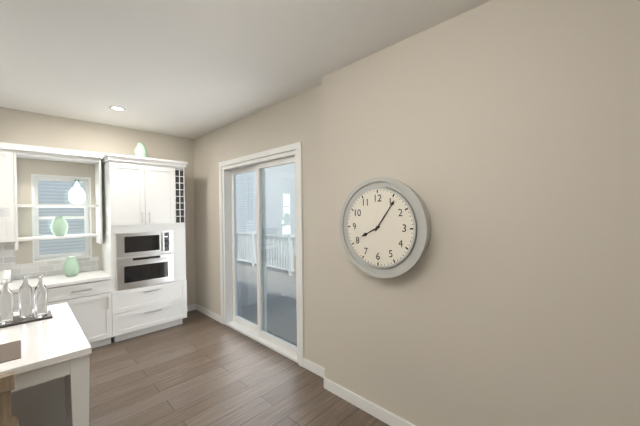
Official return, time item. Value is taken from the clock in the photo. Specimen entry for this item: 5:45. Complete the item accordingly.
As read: 8:06
